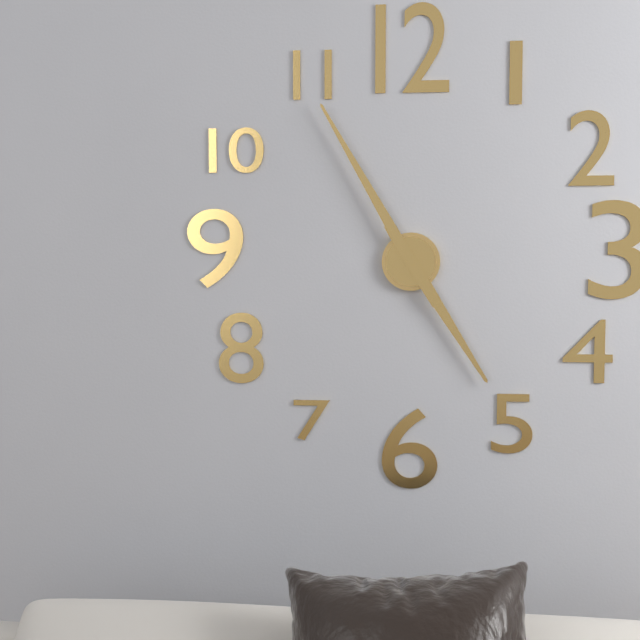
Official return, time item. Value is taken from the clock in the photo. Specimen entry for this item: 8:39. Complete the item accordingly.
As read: 4:55
